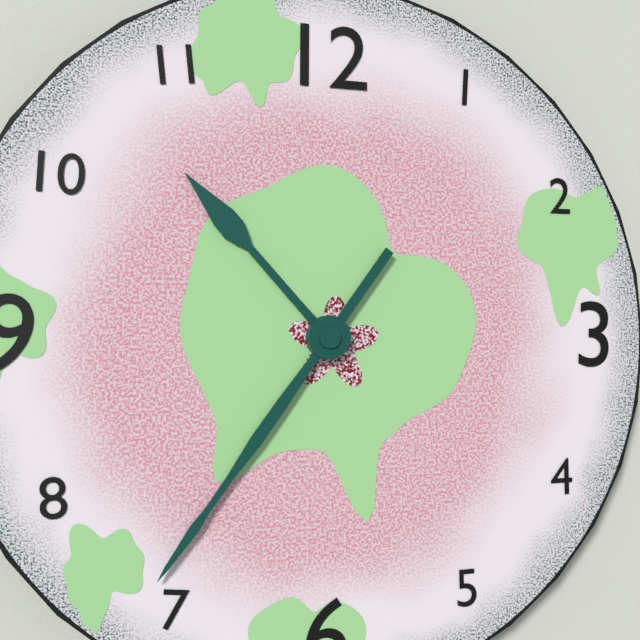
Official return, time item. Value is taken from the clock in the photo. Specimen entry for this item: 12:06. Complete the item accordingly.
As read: 10:36
